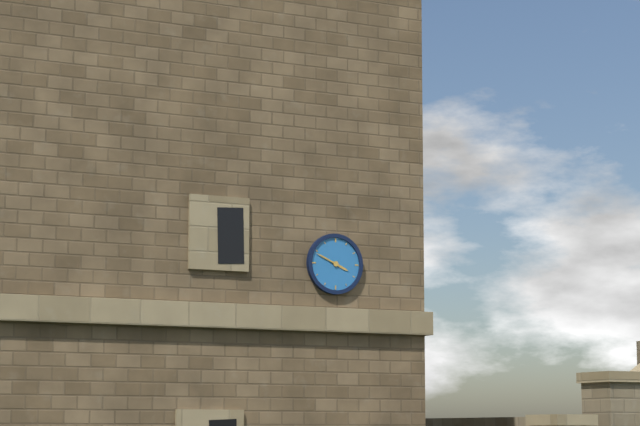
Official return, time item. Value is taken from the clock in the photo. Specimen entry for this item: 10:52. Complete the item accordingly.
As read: 3:49
